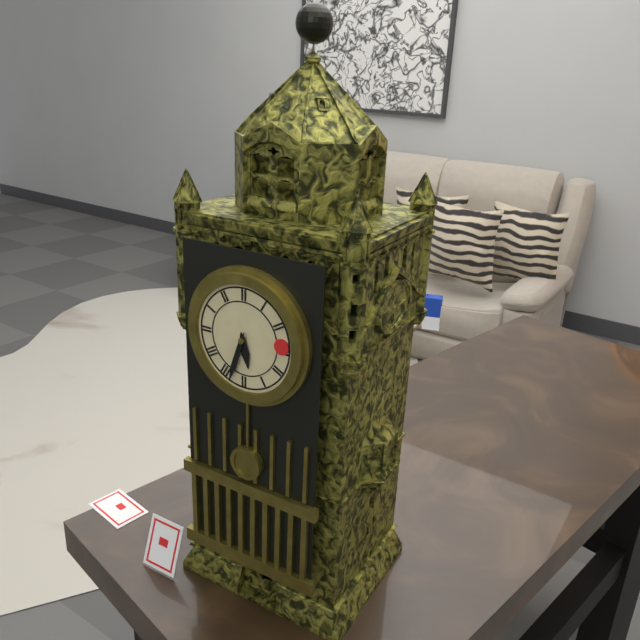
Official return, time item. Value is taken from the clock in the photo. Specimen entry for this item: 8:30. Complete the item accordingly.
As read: 5:33
